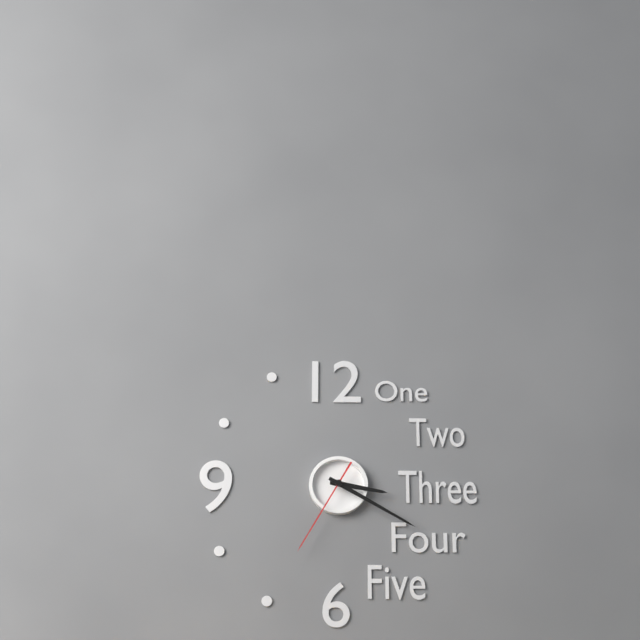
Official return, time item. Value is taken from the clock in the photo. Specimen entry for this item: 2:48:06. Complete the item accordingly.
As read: 3:20:35
